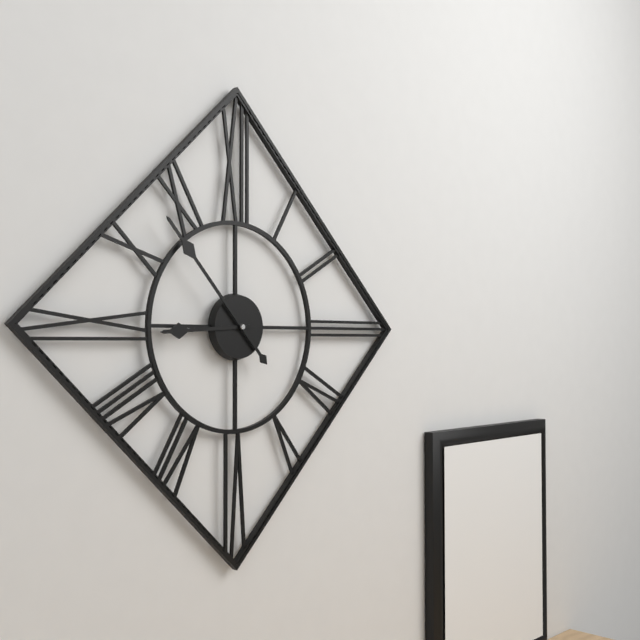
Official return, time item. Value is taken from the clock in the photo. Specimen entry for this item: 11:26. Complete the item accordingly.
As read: 8:53
